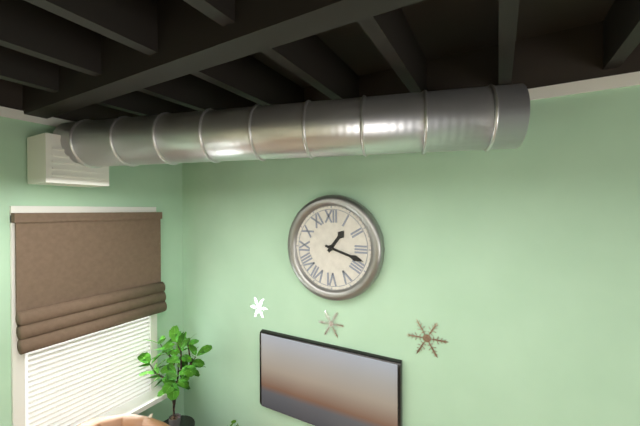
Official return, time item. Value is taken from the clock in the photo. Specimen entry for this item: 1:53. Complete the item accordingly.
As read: 1:18
